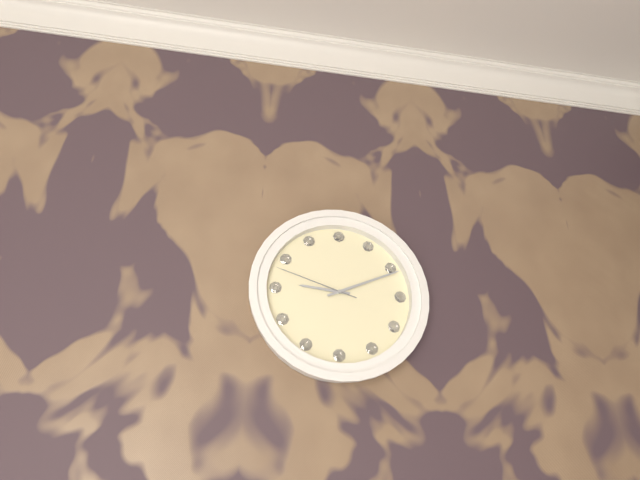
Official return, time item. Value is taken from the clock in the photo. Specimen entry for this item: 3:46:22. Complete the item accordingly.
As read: 9:11:48
